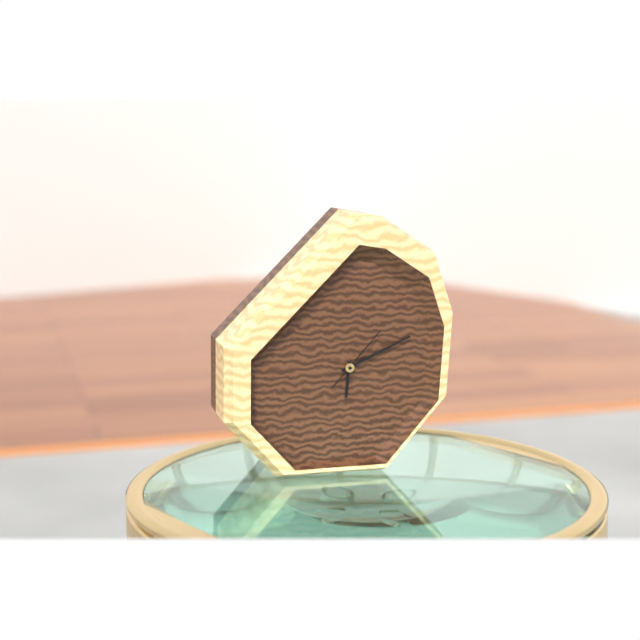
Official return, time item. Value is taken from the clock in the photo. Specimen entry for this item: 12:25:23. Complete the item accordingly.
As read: 6:11:07
